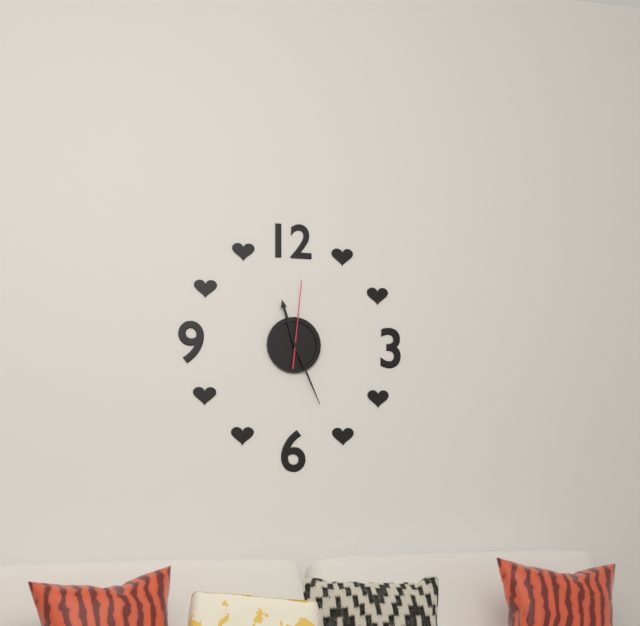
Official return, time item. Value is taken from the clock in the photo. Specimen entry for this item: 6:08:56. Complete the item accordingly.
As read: 11:26:01
